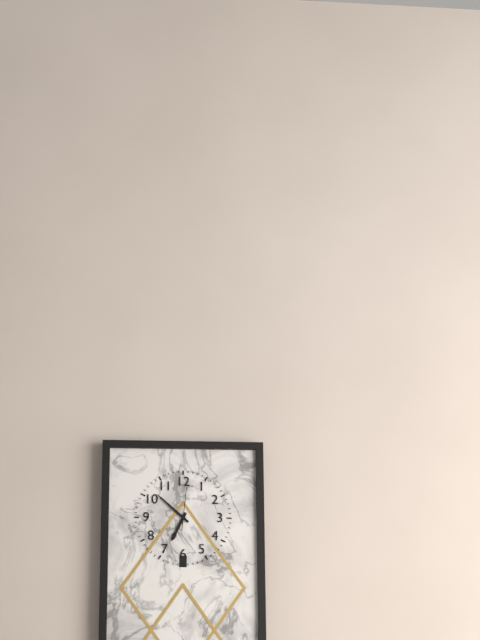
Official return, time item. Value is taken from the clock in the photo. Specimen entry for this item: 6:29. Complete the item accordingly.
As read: 6:52
